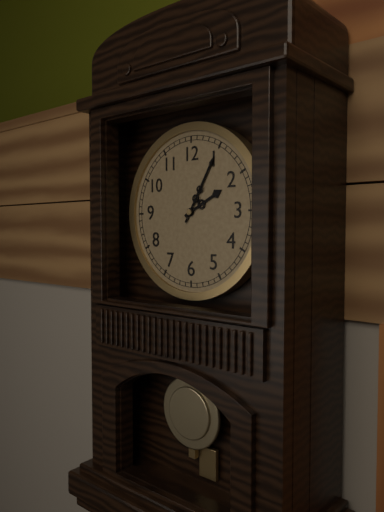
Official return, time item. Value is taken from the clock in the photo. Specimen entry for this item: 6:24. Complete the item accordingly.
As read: 2:05
